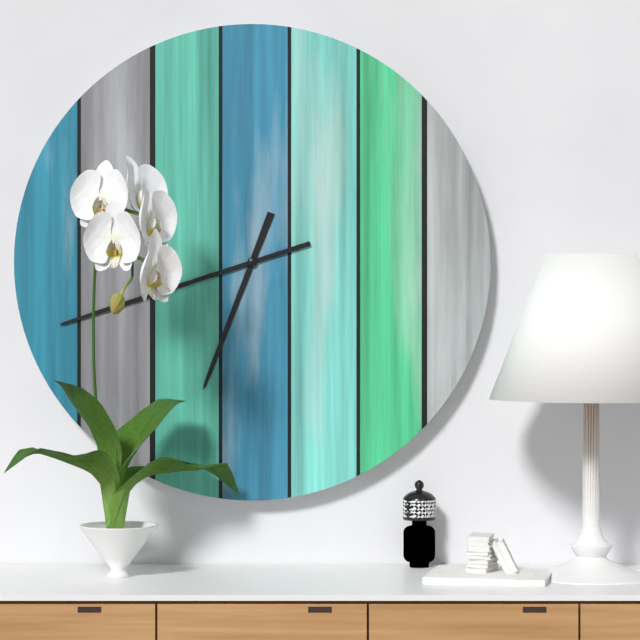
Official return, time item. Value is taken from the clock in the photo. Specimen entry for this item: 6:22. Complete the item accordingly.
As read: 6:42
